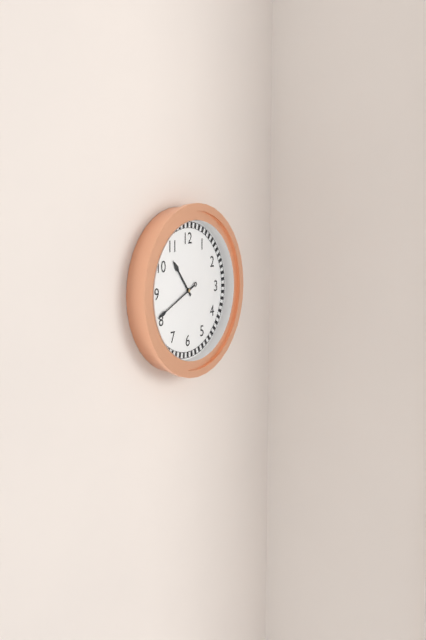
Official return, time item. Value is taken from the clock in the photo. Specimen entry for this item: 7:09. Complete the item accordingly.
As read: 10:41
